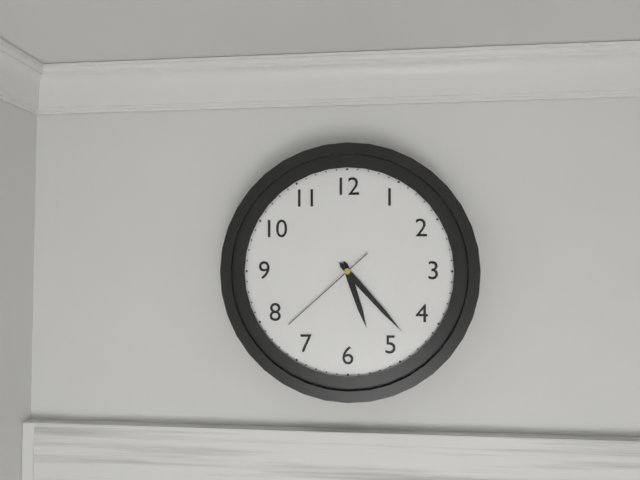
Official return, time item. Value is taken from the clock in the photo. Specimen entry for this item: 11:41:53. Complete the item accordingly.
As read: 5:23:38
